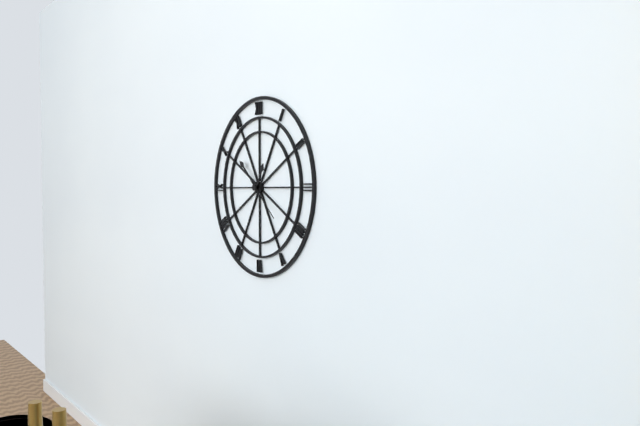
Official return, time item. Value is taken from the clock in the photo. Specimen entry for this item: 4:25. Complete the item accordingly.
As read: 12:52
